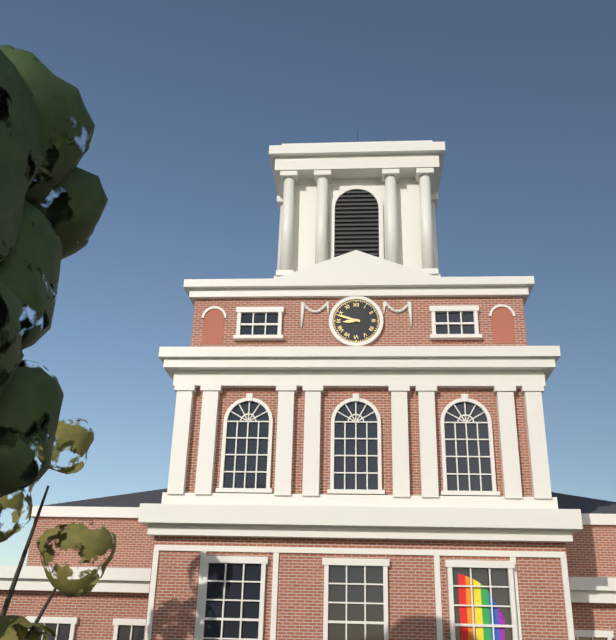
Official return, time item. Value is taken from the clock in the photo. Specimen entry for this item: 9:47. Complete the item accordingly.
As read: 8:48
